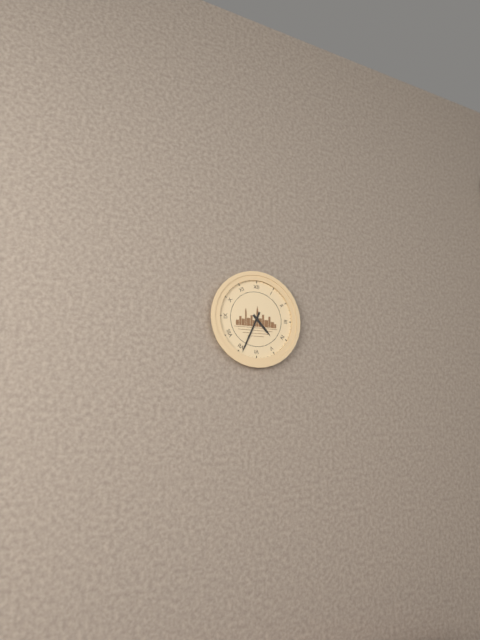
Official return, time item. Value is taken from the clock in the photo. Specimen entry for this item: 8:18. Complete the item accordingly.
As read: 4:34
